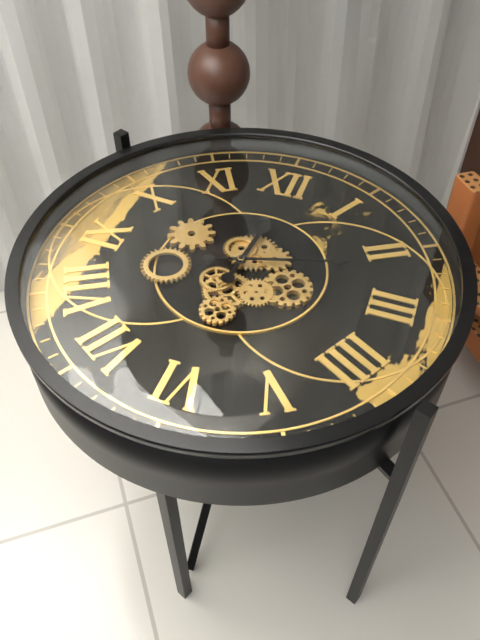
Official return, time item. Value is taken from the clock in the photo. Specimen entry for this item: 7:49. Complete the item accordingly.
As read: 12:12
